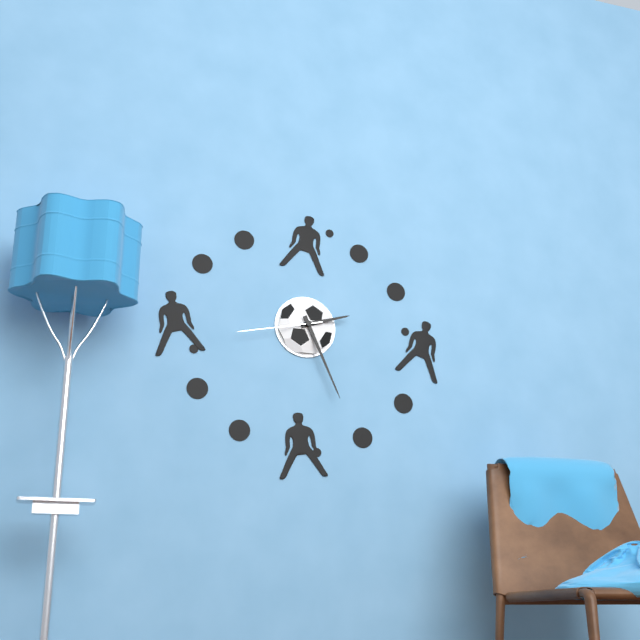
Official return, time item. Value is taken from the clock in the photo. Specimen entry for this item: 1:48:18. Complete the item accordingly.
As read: 2:26:43
